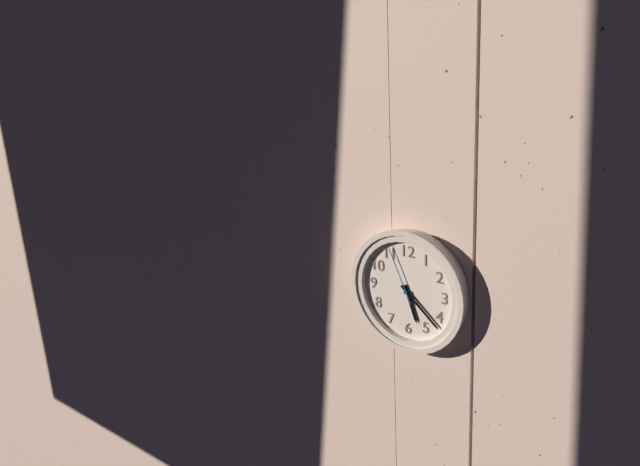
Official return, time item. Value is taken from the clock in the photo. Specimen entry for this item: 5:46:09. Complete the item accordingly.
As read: 5:22:56
